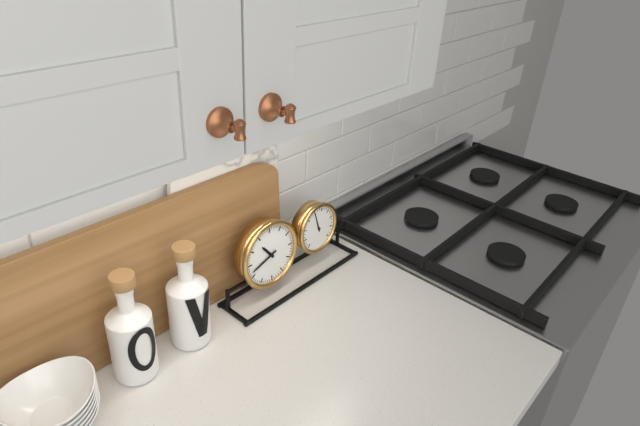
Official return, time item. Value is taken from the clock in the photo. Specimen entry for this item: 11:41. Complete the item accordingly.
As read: 10:42
